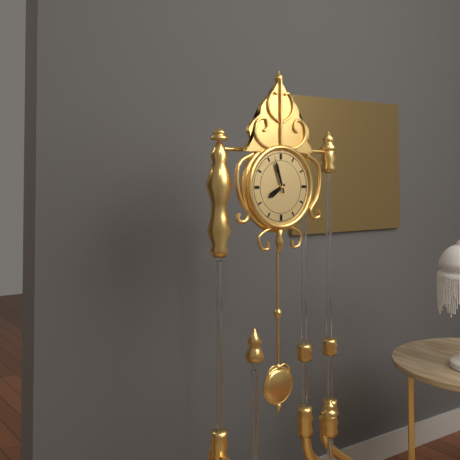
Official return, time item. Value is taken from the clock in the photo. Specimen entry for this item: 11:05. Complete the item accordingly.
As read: 7:57
